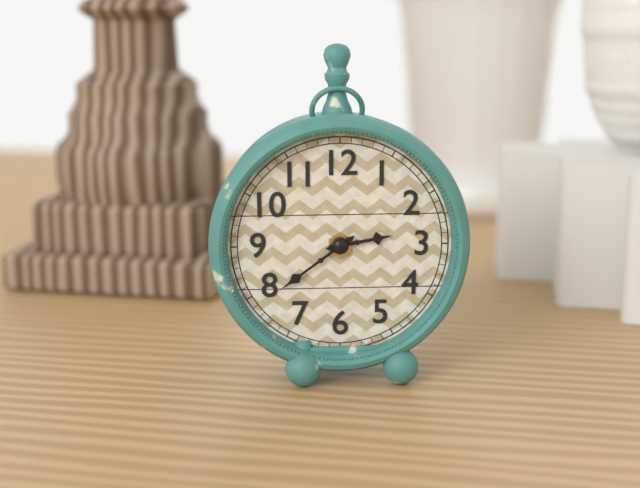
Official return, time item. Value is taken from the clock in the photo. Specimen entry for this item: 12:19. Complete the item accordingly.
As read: 2:39
